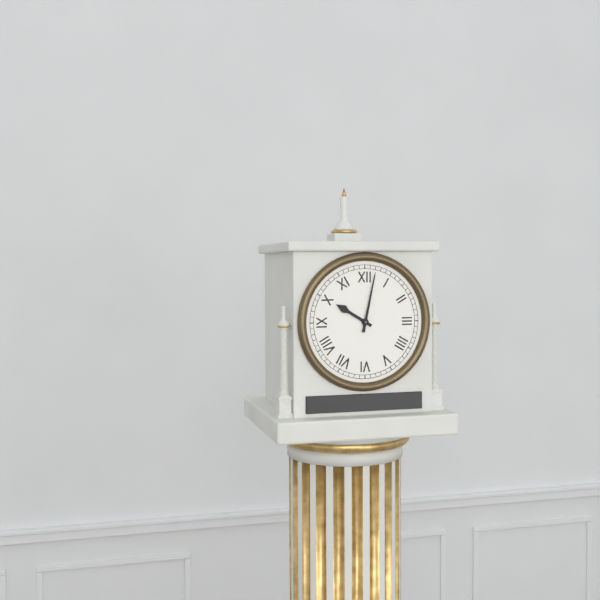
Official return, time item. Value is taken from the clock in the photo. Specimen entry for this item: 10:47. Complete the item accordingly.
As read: 10:02
